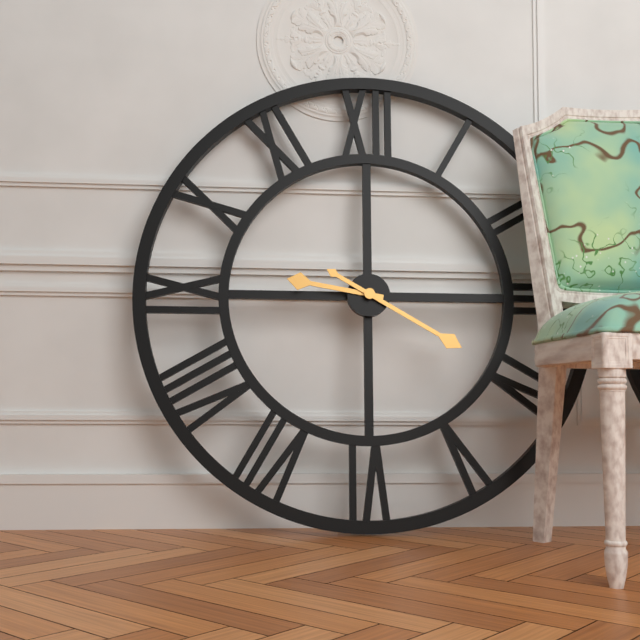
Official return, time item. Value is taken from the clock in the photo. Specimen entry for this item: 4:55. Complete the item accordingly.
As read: 9:20
